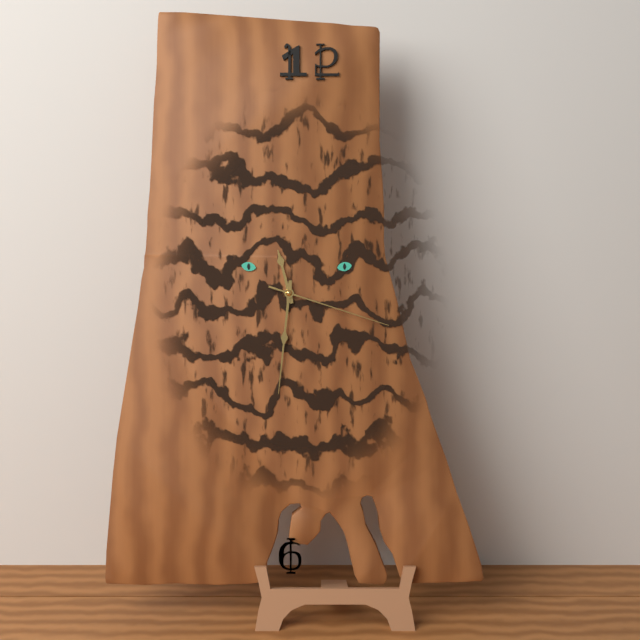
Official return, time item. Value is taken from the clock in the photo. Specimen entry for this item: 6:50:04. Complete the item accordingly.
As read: 11:31:18
